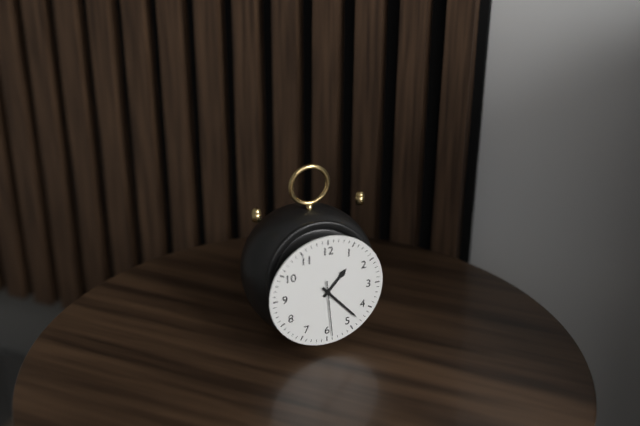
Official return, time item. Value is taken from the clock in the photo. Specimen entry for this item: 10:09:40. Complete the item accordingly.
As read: 1:23:29
